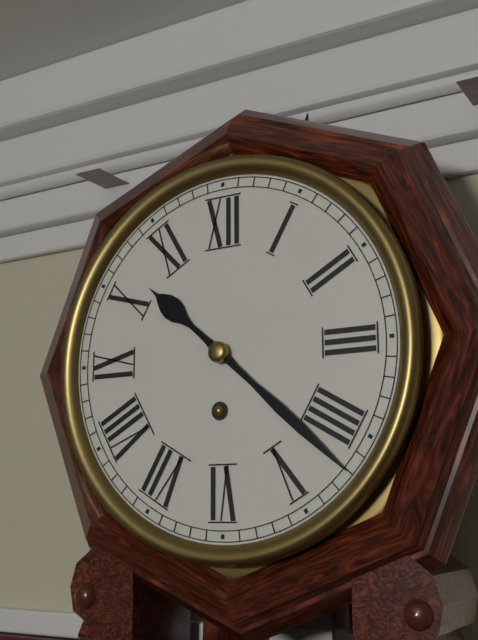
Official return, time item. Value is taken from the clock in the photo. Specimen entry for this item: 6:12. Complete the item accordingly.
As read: 10:22
